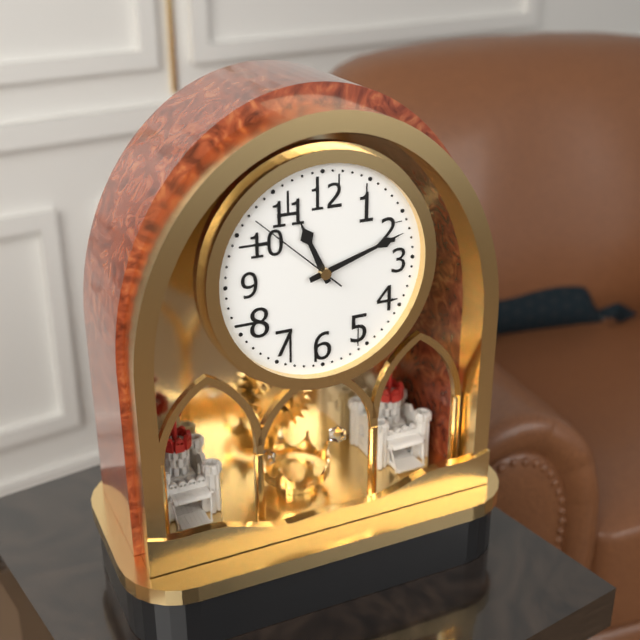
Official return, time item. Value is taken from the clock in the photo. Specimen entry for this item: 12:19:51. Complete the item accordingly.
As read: 11:12:52
